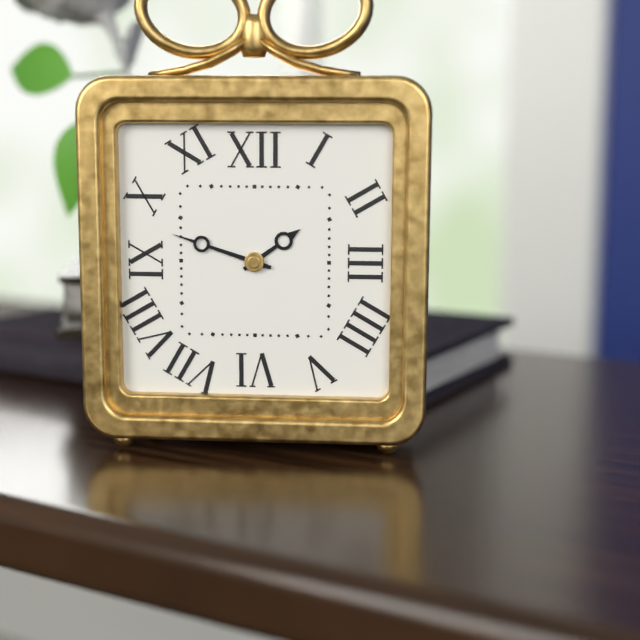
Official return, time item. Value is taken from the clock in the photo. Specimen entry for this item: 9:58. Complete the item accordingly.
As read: 1:48
